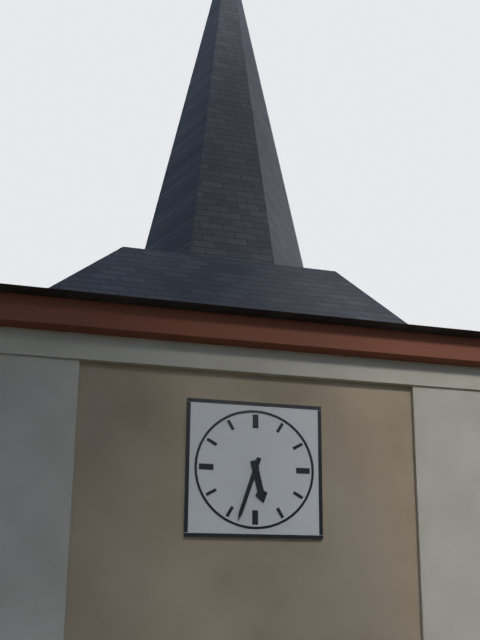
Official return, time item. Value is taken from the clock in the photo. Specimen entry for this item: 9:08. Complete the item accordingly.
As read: 5:33
